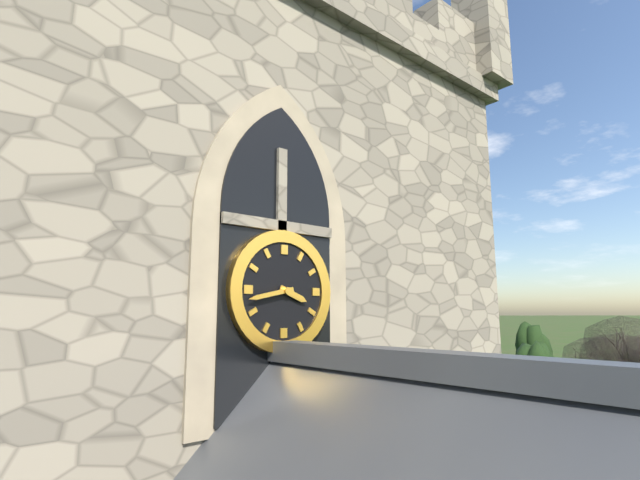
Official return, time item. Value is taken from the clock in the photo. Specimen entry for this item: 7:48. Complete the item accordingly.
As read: 3:43
